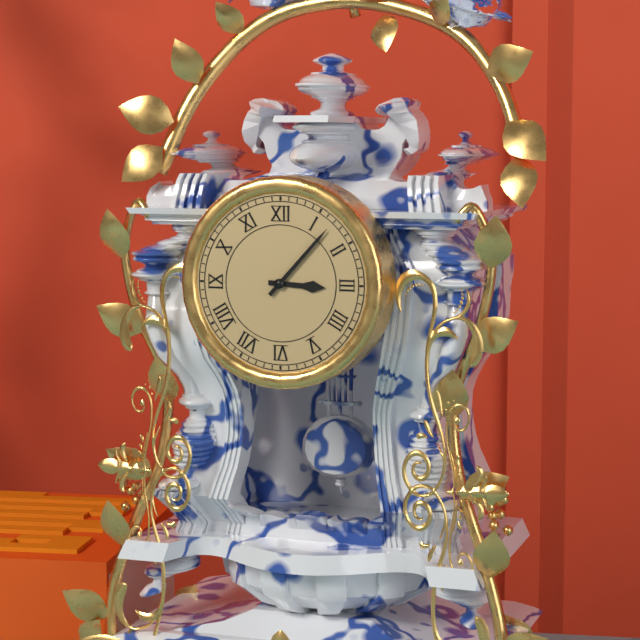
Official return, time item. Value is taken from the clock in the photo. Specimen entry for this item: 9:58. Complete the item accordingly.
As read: 3:07
